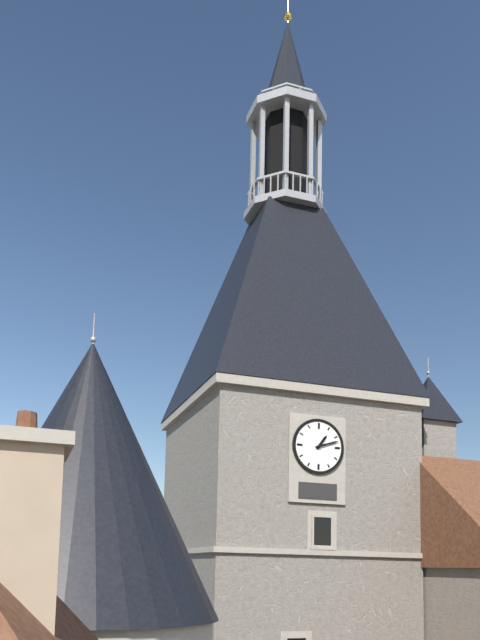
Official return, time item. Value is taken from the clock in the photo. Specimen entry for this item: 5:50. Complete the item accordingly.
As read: 1:12
